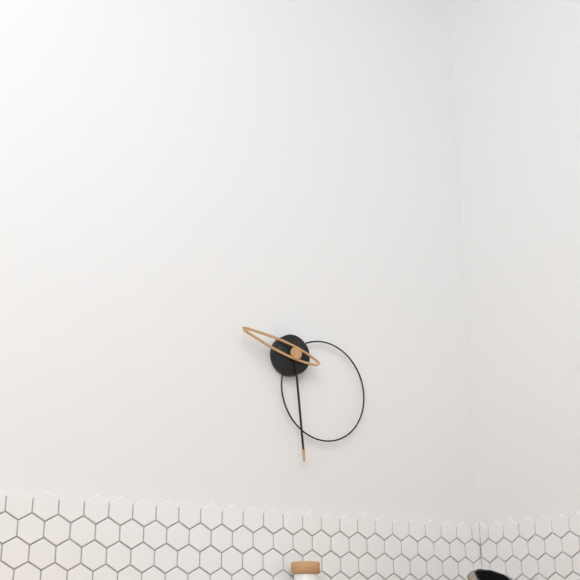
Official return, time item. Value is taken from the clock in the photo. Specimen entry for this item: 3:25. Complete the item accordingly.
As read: 9:29
